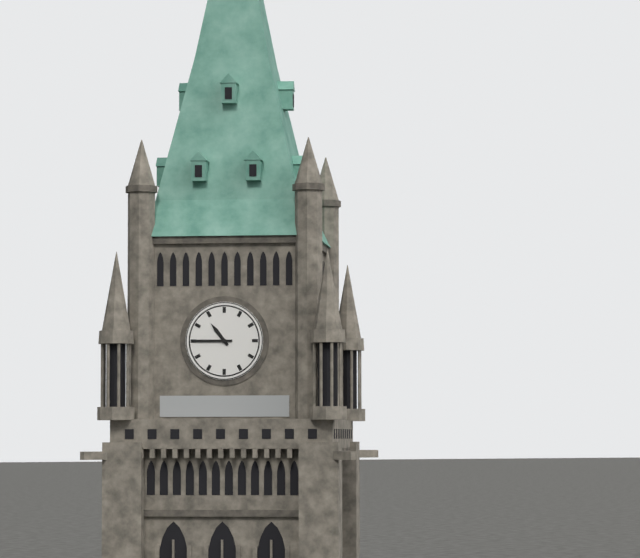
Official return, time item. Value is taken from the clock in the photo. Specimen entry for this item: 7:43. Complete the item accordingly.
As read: 10:45
